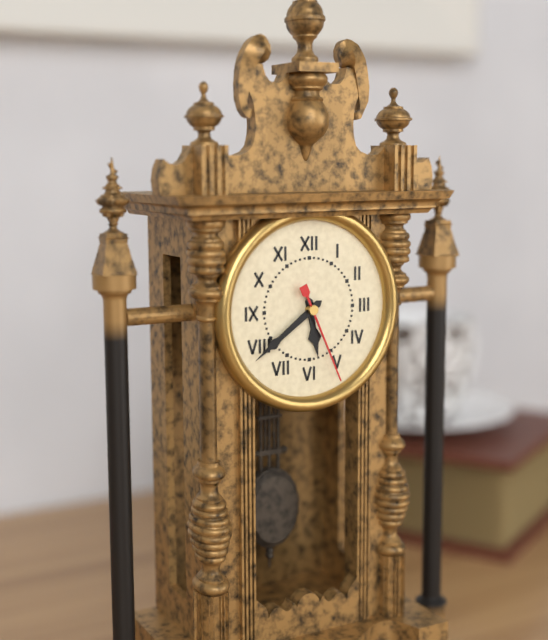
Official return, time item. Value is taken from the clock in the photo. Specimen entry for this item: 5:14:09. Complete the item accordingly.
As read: 5:39:26
